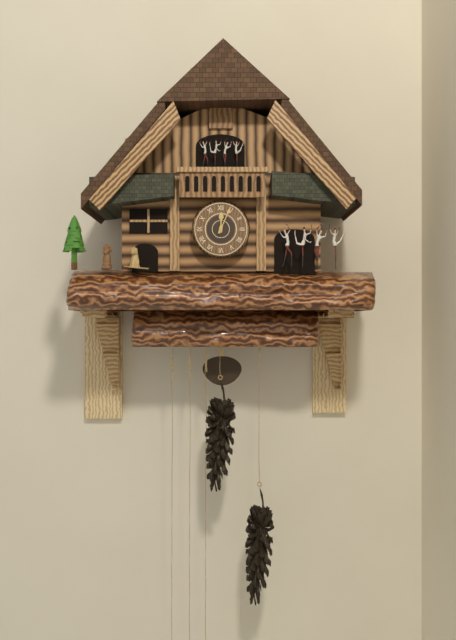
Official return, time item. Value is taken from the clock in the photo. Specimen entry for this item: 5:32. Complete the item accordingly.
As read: 12:04
